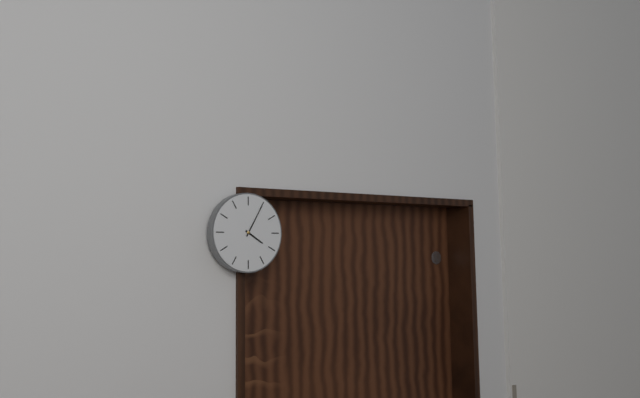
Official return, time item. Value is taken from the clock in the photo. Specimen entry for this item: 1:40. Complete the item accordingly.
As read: 4:05
